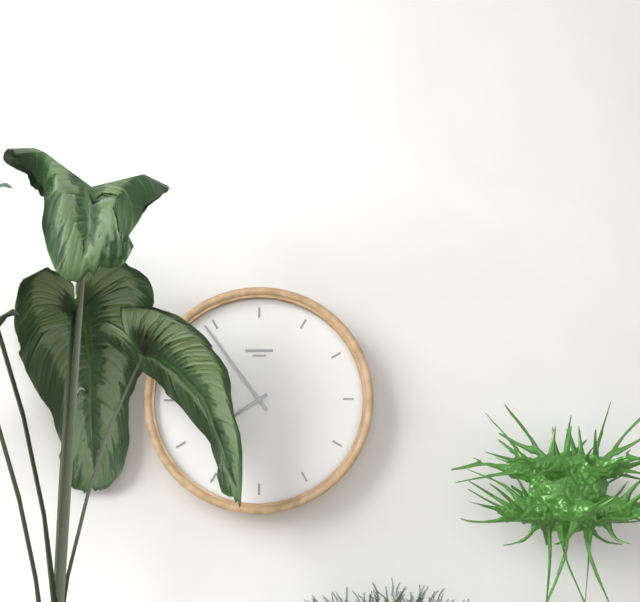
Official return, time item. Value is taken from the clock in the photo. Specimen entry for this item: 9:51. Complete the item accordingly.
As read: 7:54
